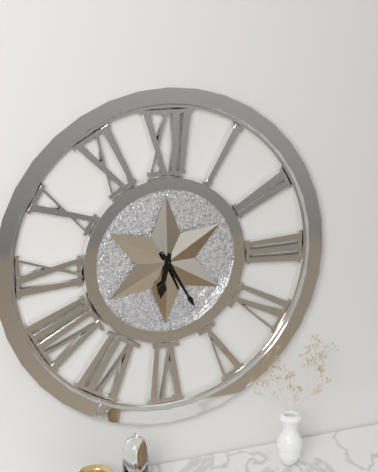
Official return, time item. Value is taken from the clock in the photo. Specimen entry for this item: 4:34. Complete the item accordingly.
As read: 6:25
